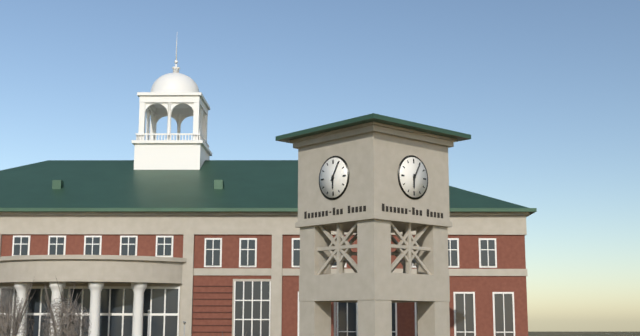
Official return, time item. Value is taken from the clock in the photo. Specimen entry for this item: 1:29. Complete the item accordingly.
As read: 6:05
